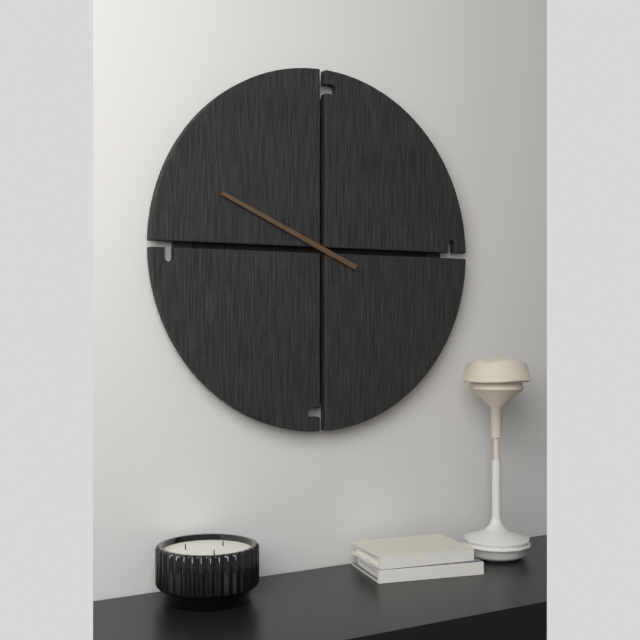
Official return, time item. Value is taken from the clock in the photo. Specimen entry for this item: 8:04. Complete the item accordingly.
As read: 9:49
